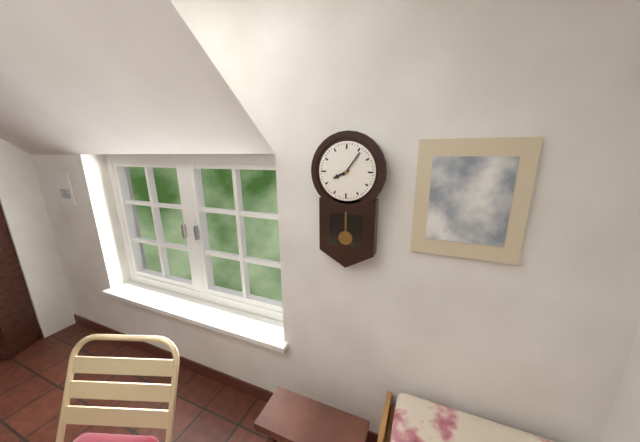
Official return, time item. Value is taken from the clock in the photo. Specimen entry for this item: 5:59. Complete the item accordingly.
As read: 8:06
